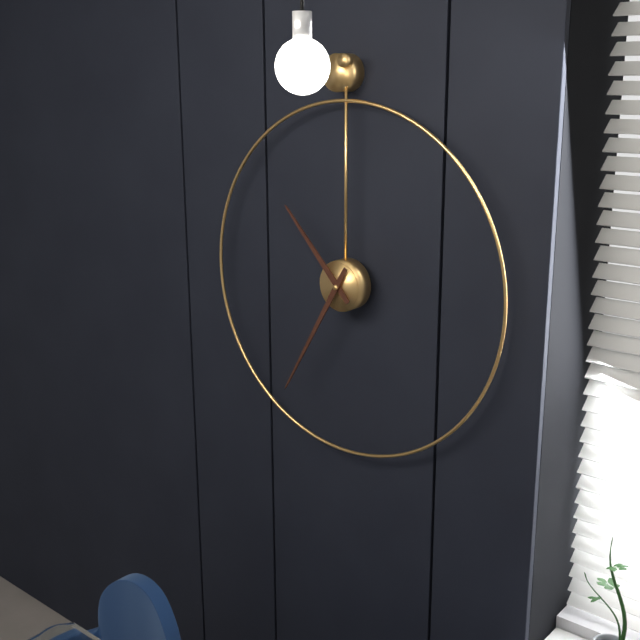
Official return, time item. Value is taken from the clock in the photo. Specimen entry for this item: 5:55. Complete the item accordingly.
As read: 10:35
